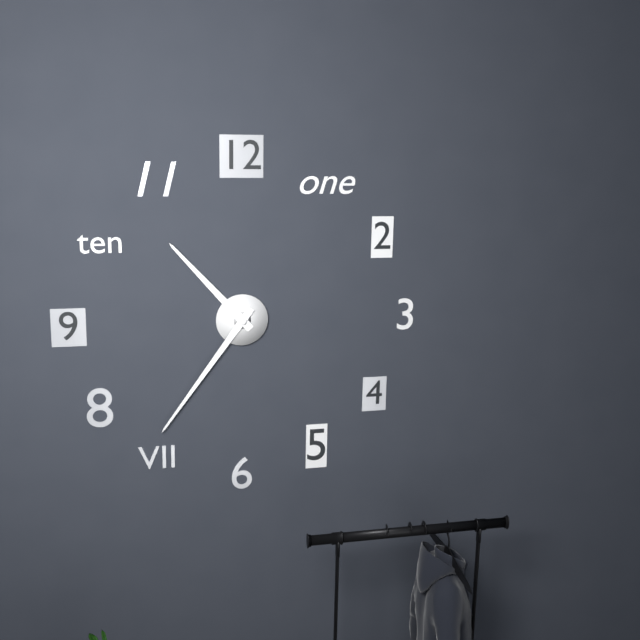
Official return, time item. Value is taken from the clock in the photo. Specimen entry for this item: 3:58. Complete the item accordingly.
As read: 10:36
